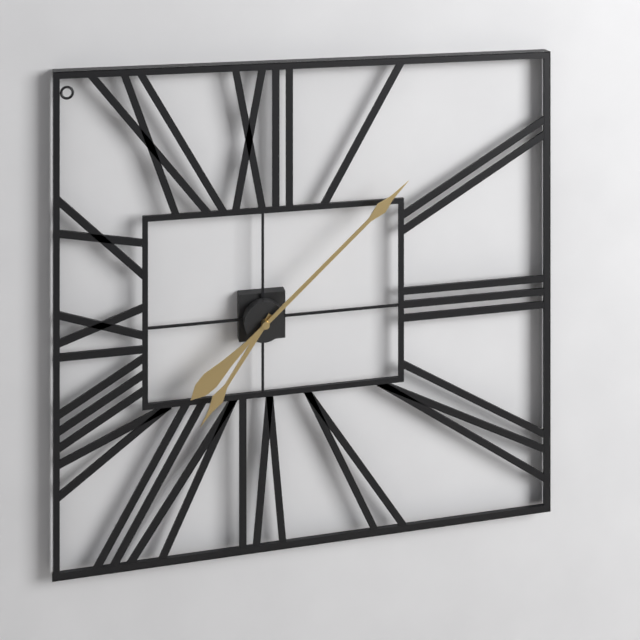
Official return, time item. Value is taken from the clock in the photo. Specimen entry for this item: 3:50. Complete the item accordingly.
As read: 7:08
